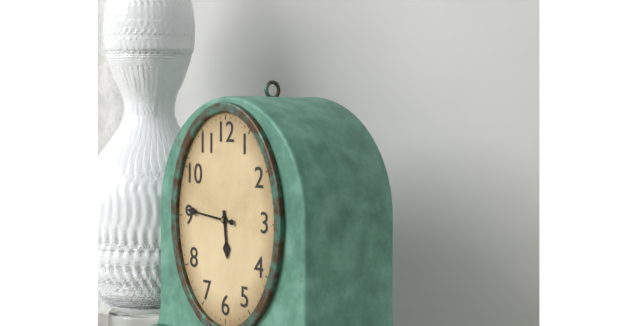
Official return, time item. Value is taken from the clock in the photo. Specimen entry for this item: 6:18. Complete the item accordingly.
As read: 5:46
